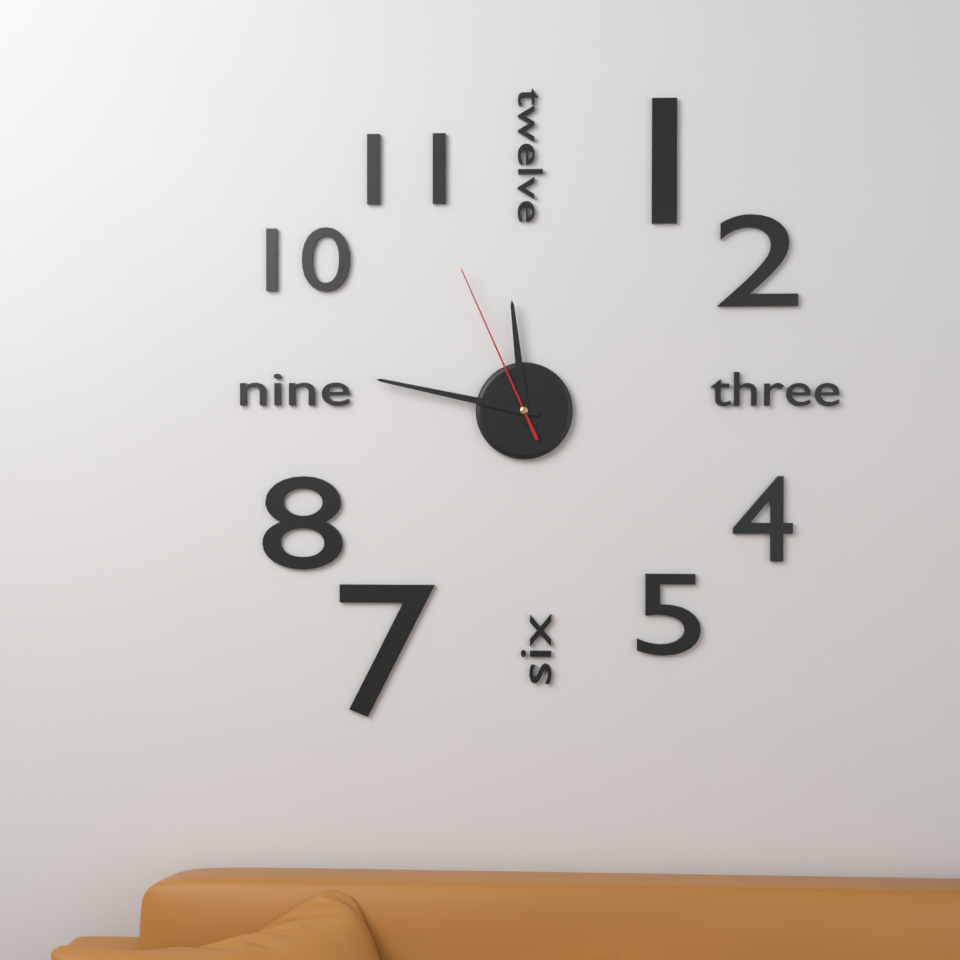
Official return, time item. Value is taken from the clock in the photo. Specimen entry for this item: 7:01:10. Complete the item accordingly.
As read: 11:47:56
